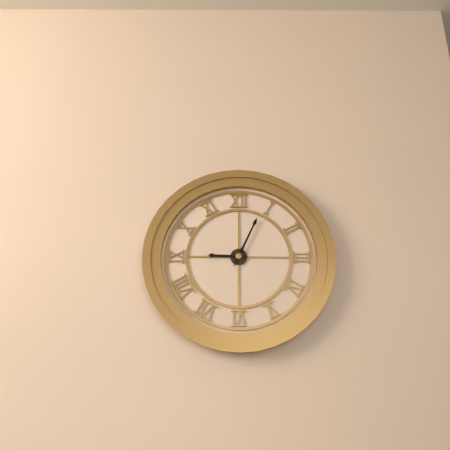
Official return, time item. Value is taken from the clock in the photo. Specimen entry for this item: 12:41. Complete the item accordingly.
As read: 9:04
